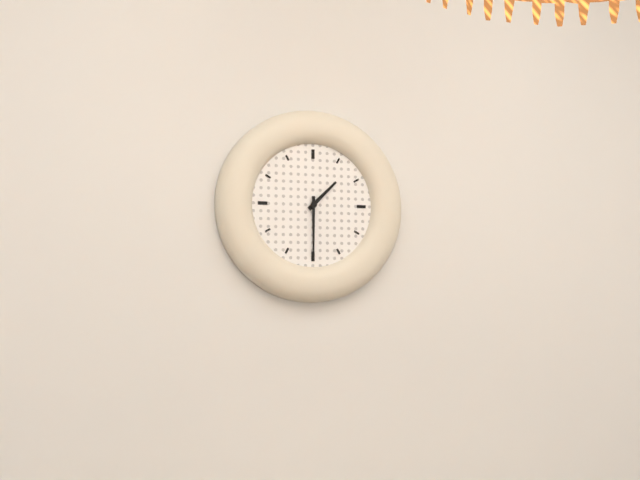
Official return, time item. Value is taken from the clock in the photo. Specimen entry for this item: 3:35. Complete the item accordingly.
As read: 1:30
